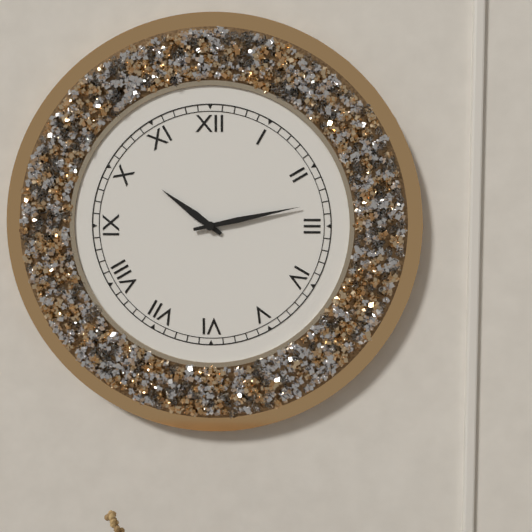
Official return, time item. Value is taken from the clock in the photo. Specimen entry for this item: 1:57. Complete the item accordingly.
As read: 10:13
